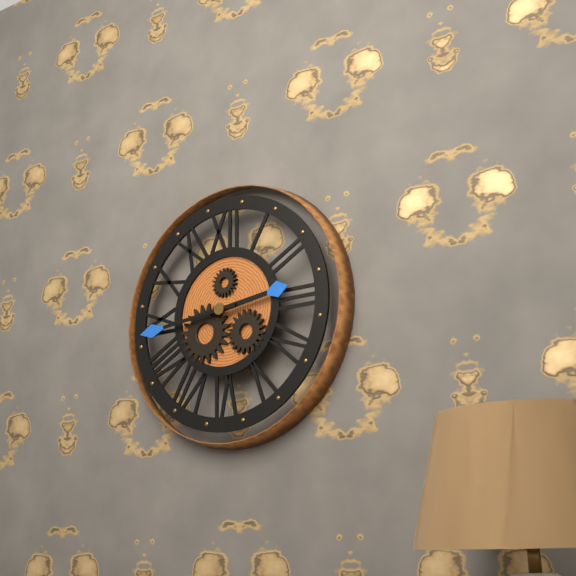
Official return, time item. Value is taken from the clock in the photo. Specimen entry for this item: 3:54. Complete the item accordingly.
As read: 2:44
